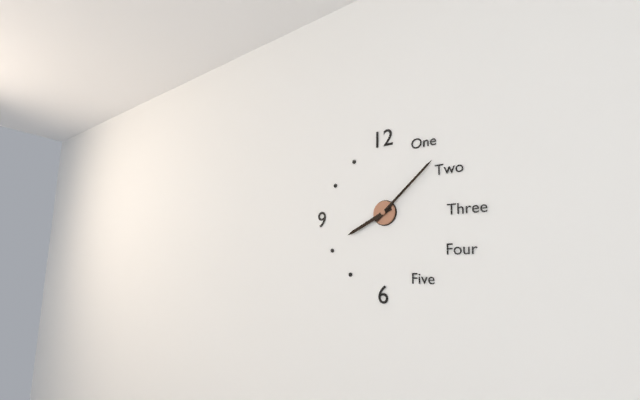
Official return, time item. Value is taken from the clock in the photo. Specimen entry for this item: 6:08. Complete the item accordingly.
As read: 8:08
